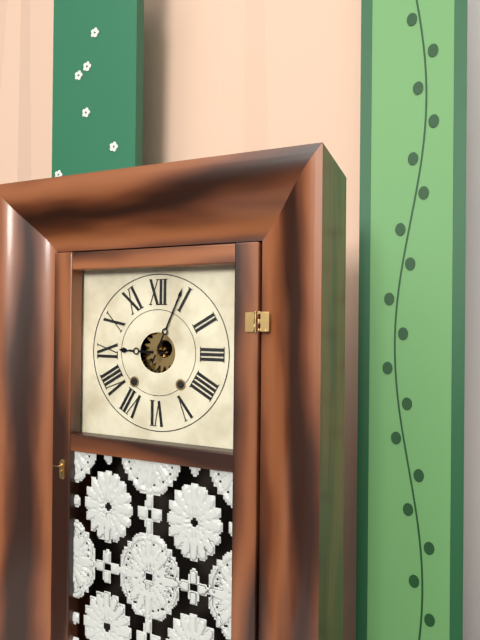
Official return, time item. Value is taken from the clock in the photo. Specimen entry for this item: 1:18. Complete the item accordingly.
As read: 9:04
